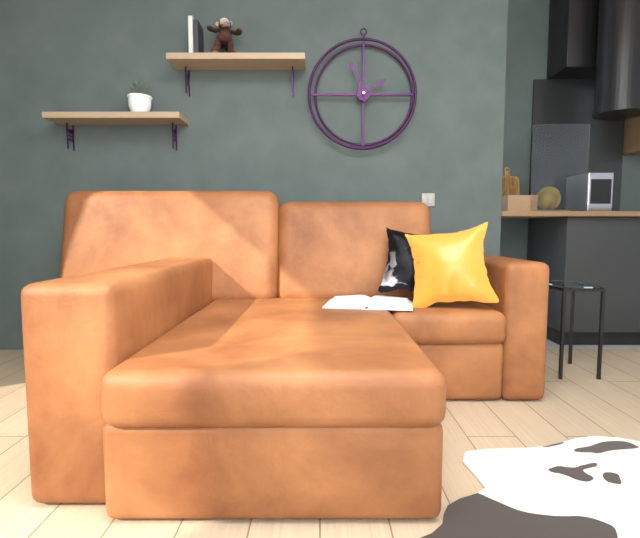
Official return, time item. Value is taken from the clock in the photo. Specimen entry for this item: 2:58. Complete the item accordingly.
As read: 1:56
